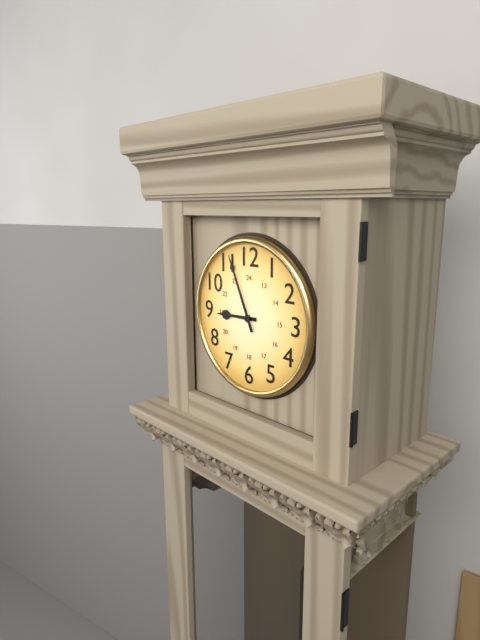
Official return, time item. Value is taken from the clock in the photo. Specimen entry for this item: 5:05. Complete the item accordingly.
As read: 8:56
